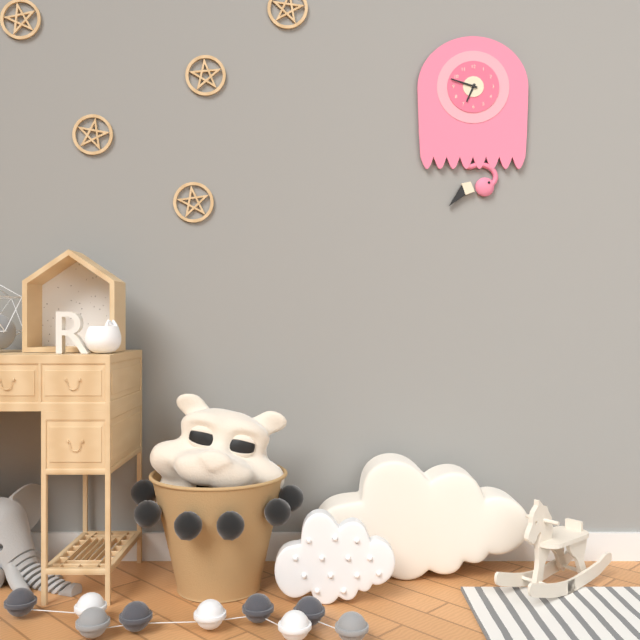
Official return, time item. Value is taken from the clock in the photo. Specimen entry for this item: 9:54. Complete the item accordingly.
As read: 6:48
